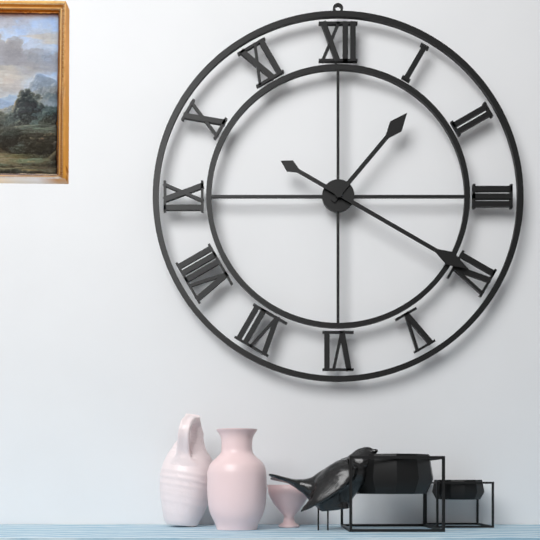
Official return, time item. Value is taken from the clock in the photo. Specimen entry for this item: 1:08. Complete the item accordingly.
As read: 1:20
